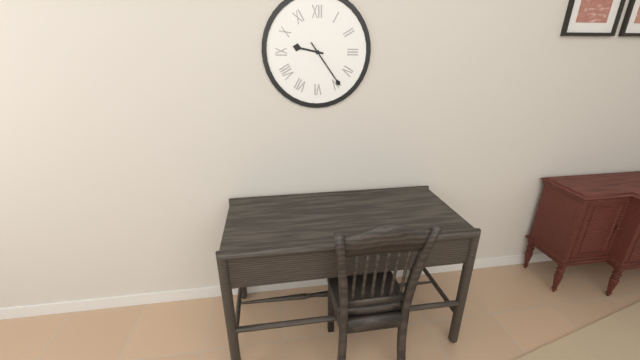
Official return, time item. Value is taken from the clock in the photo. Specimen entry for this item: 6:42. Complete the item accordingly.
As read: 9:24
